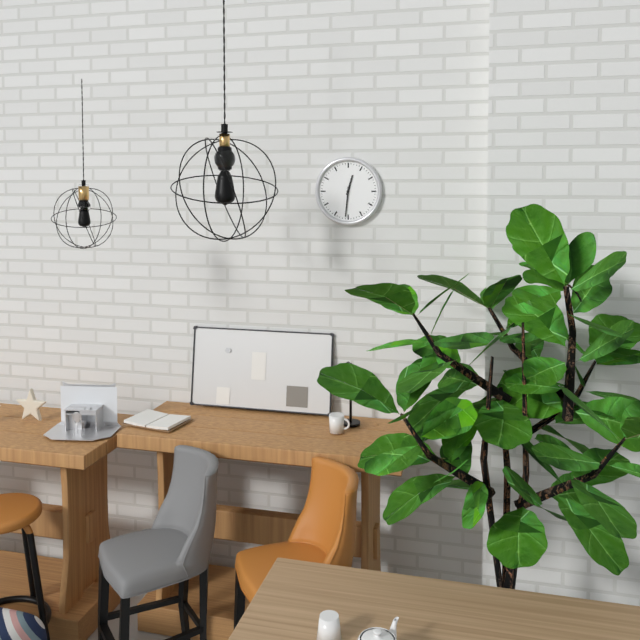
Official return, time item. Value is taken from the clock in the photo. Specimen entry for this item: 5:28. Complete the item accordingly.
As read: 12:31
